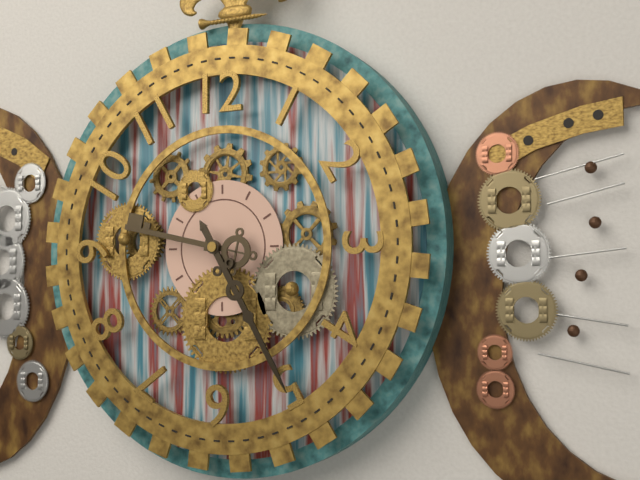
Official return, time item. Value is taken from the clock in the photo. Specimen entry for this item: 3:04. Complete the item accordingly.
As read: 9:25
